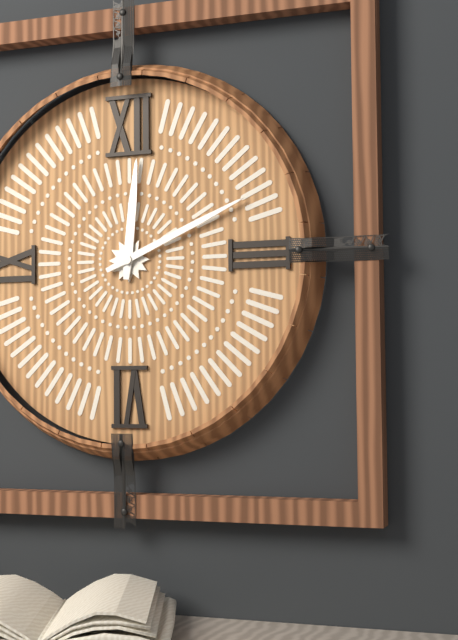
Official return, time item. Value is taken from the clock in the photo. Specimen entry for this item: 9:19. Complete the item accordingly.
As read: 12:11
